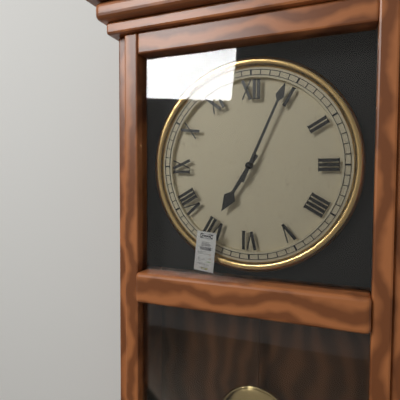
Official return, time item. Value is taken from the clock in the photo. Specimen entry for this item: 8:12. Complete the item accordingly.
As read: 7:04
